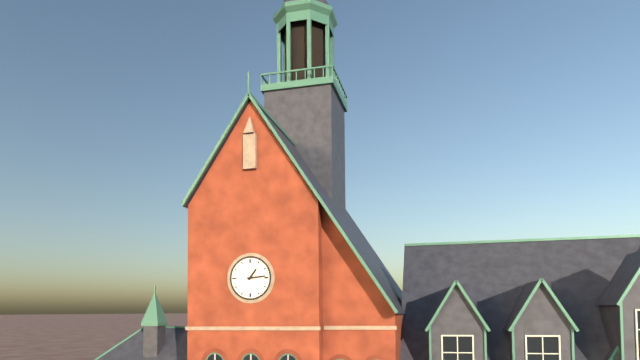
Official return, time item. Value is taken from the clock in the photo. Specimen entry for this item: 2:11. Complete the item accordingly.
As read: 1:14
